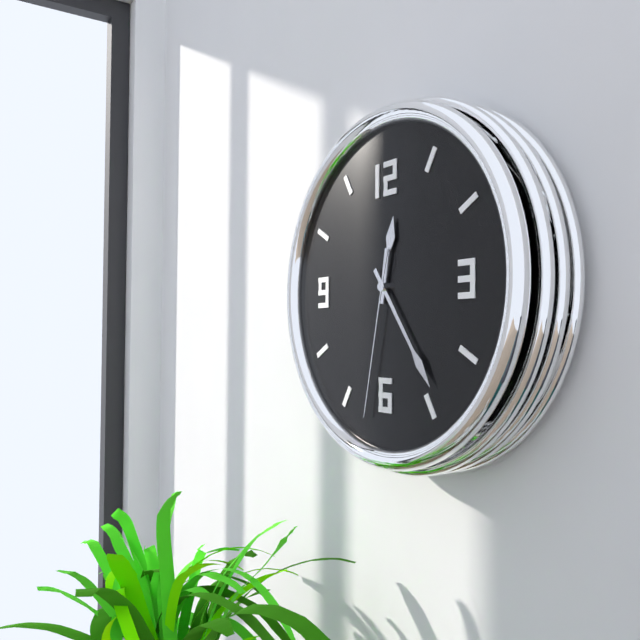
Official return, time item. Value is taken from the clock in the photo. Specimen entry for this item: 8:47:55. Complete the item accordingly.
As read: 12:24:32
